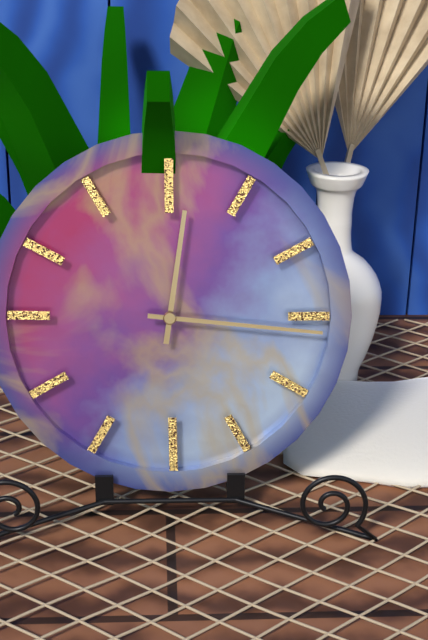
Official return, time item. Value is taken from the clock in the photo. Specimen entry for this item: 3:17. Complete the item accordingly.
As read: 12:16
